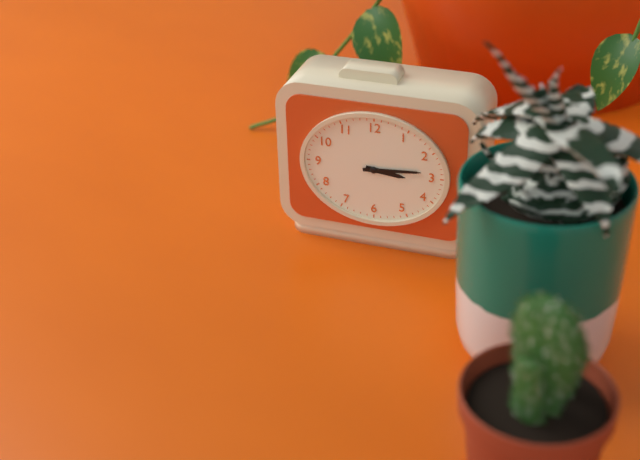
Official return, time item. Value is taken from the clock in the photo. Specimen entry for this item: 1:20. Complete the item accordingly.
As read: 3:14
